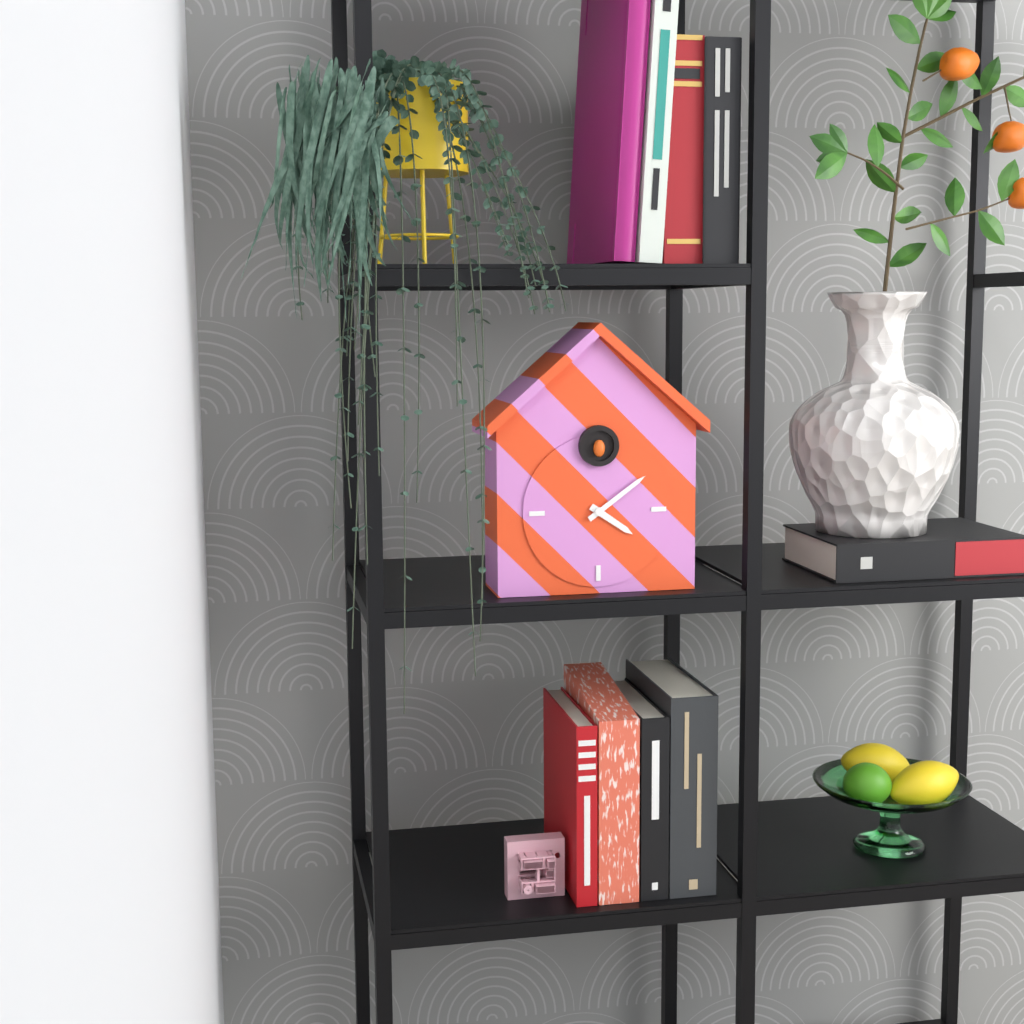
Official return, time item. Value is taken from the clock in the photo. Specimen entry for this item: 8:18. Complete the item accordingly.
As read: 4:09
